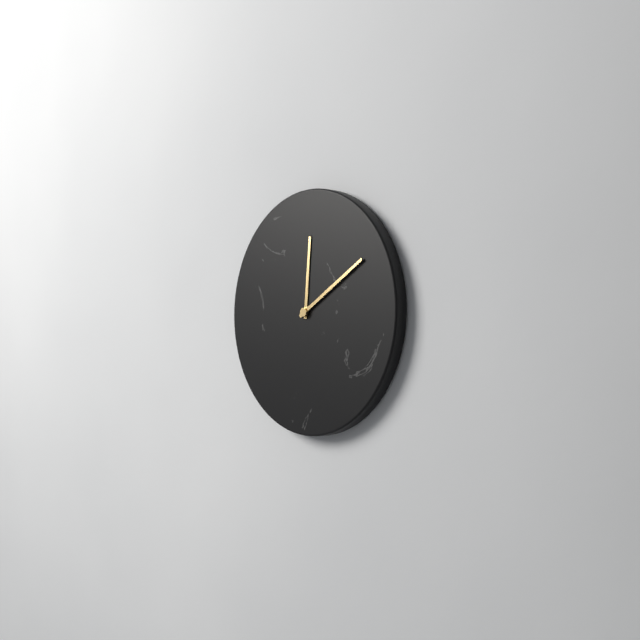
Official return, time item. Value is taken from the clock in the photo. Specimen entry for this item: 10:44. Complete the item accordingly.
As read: 12:10
